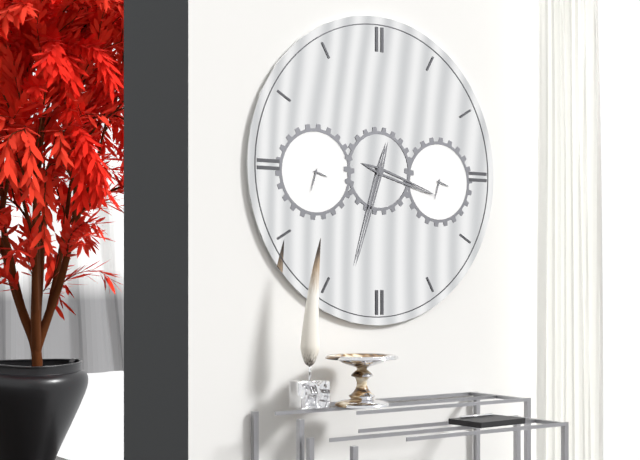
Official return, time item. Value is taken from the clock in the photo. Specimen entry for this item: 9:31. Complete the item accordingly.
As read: 3:33
